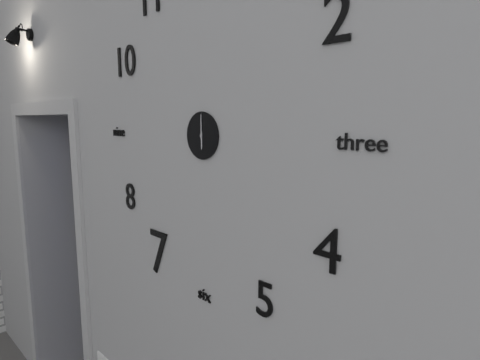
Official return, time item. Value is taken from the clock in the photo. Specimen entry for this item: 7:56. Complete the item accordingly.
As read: 6:00
